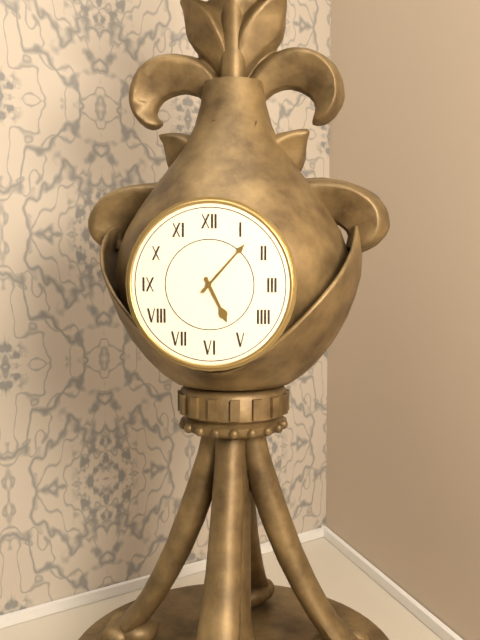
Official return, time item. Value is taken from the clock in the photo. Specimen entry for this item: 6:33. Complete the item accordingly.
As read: 5:07
